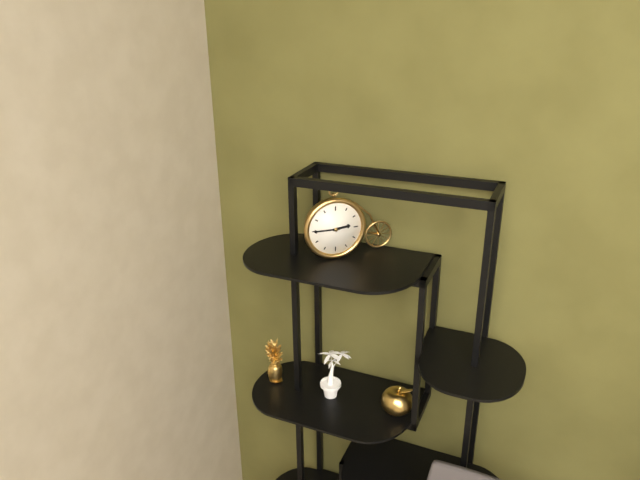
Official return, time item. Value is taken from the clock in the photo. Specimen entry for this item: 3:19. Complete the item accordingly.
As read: 2:45
